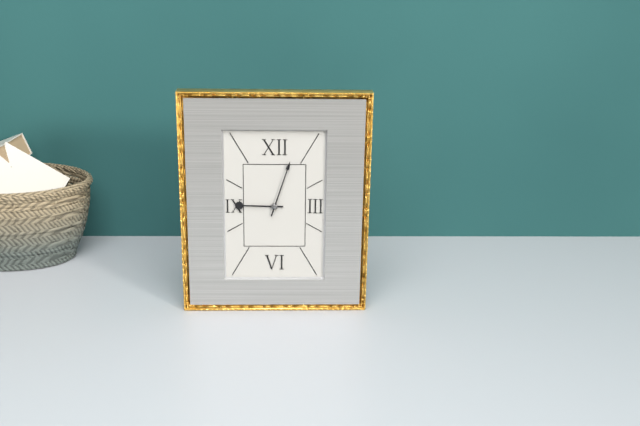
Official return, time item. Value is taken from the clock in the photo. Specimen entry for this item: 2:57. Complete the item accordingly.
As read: 9:03
